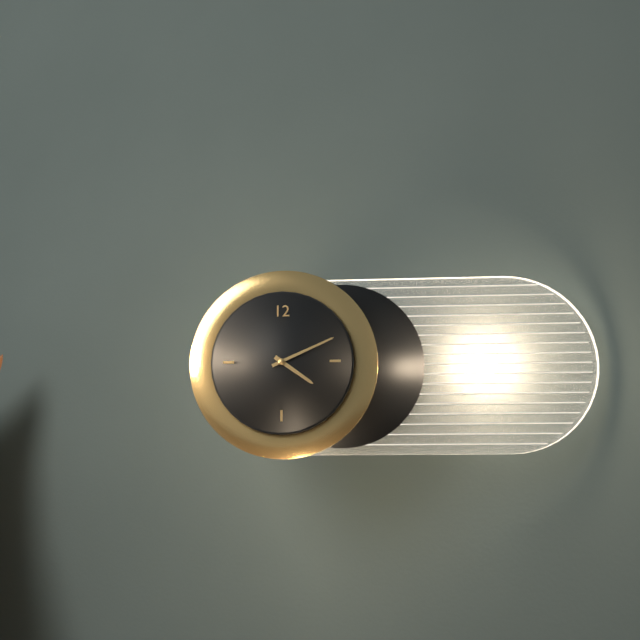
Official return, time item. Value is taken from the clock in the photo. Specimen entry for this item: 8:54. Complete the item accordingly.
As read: 4:11
